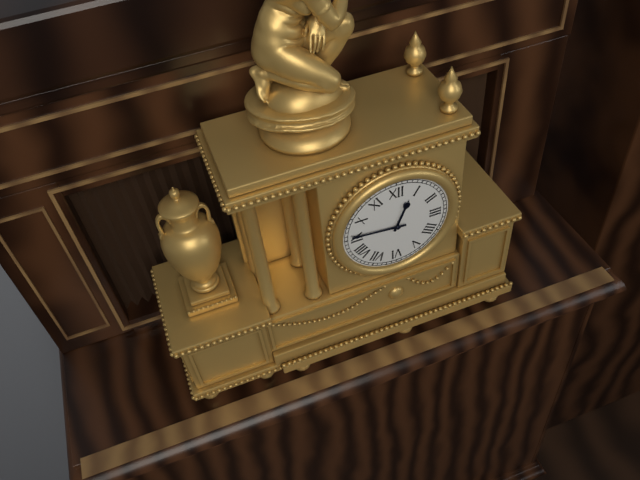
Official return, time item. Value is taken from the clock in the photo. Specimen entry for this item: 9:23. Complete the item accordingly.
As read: 12:46
